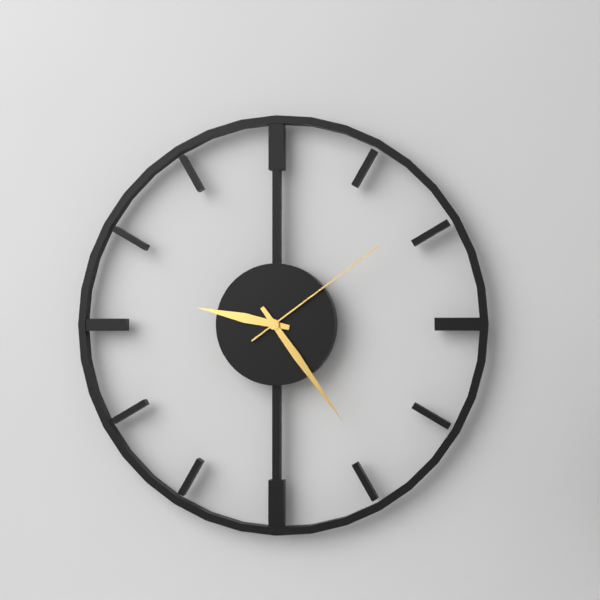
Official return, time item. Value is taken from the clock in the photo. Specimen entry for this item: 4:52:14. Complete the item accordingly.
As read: 9:24:09
